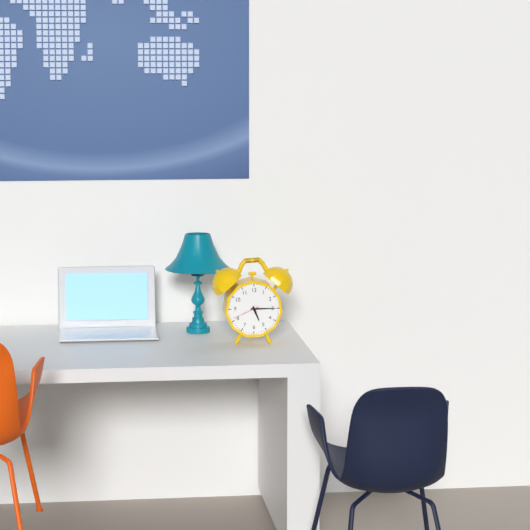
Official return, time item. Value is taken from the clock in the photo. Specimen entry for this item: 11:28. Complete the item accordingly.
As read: 5:15
